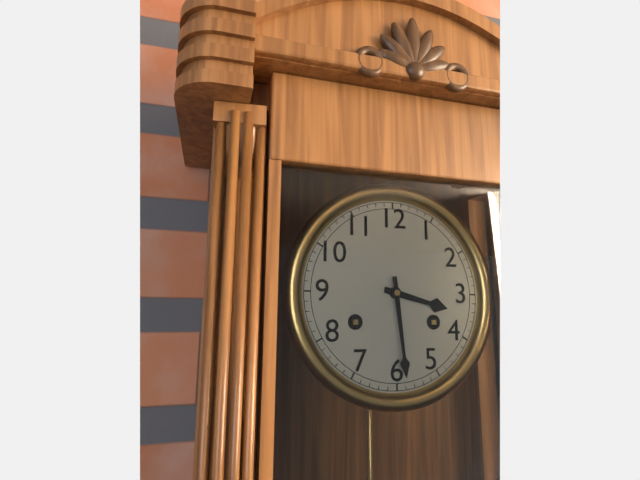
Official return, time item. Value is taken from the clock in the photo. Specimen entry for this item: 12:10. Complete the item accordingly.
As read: 3:29
